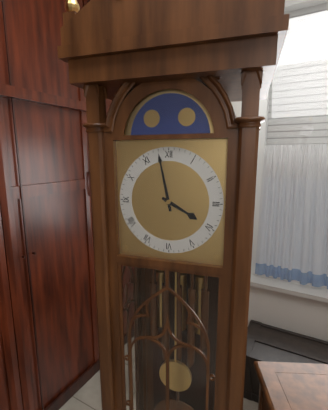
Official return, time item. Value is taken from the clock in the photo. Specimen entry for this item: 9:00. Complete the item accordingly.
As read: 3:58
